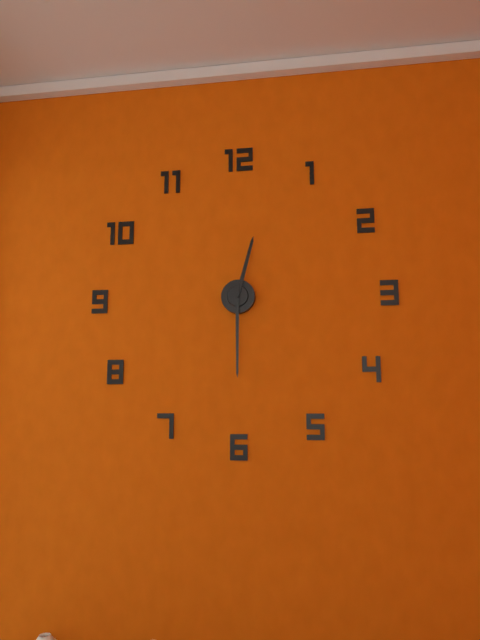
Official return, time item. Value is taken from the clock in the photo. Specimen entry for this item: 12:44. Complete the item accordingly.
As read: 12:30
